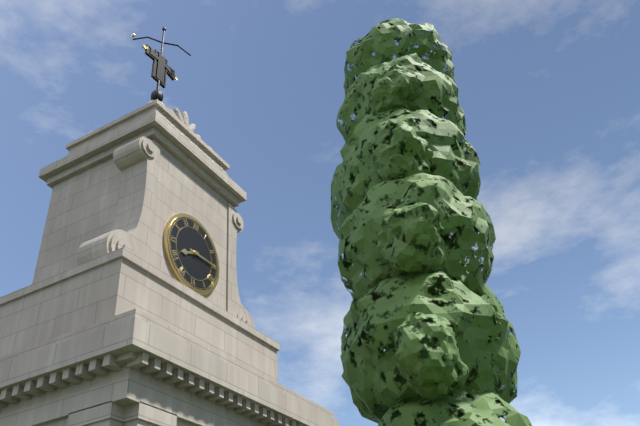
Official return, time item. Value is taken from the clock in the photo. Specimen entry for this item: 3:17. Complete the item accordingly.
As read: 8:15
